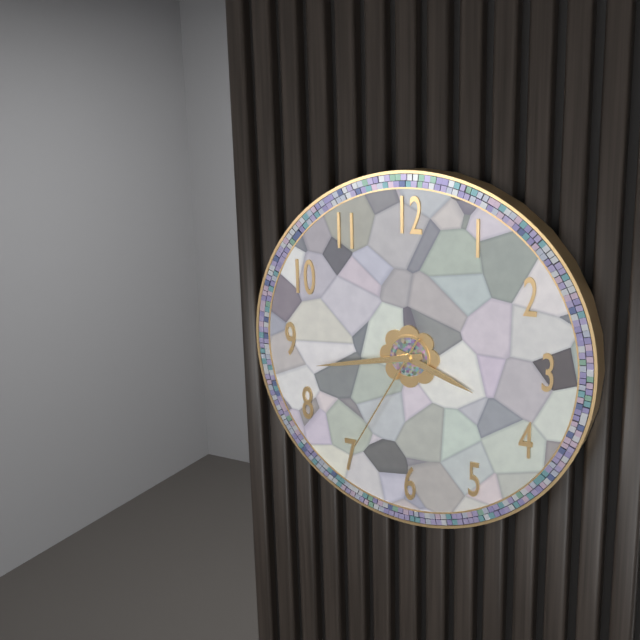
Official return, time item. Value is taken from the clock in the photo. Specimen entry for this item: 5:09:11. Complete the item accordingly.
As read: 3:43:35
